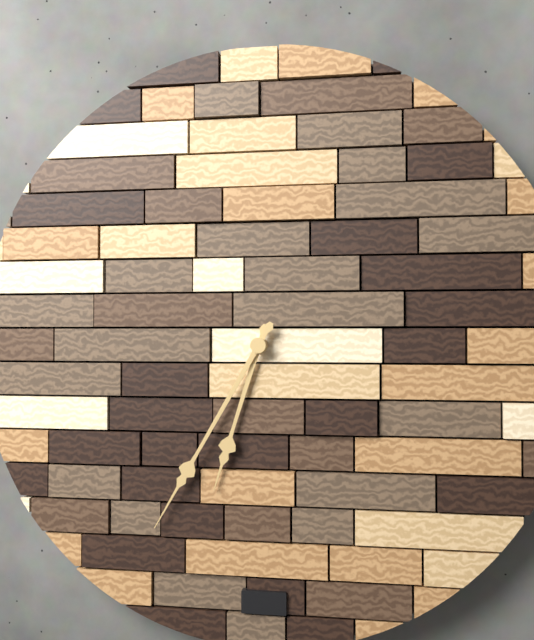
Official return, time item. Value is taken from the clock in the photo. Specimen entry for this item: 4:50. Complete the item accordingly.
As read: 6:35
